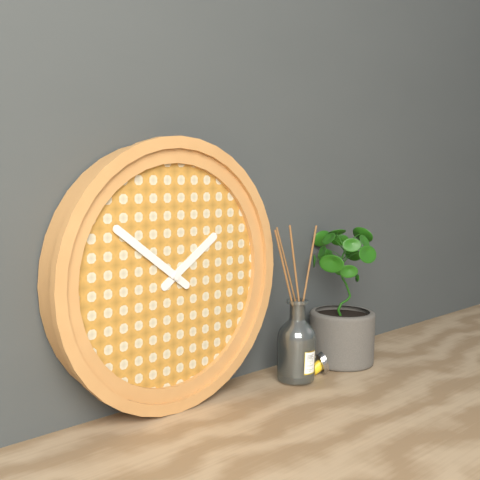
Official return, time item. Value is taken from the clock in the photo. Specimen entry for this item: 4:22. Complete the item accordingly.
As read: 1:51
